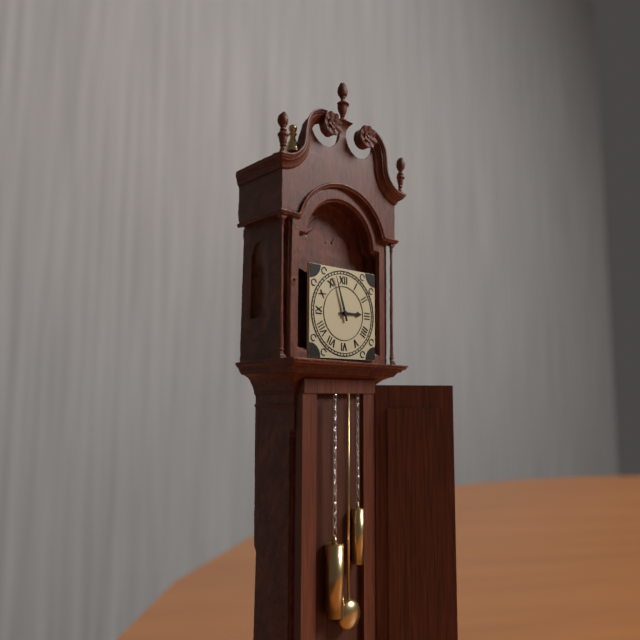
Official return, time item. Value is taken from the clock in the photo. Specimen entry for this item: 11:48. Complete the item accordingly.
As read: 2:57
